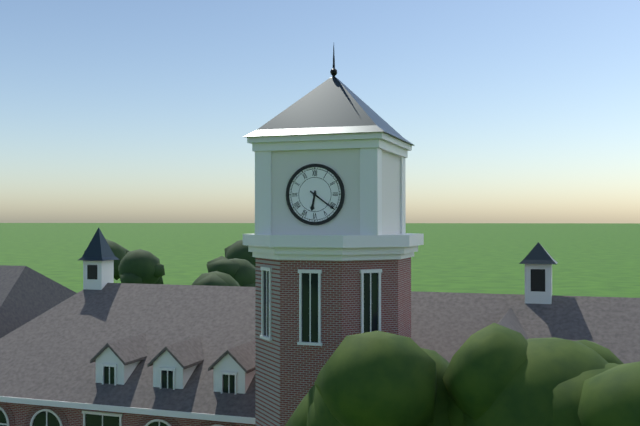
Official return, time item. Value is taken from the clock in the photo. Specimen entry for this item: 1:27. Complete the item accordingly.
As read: 6:21
